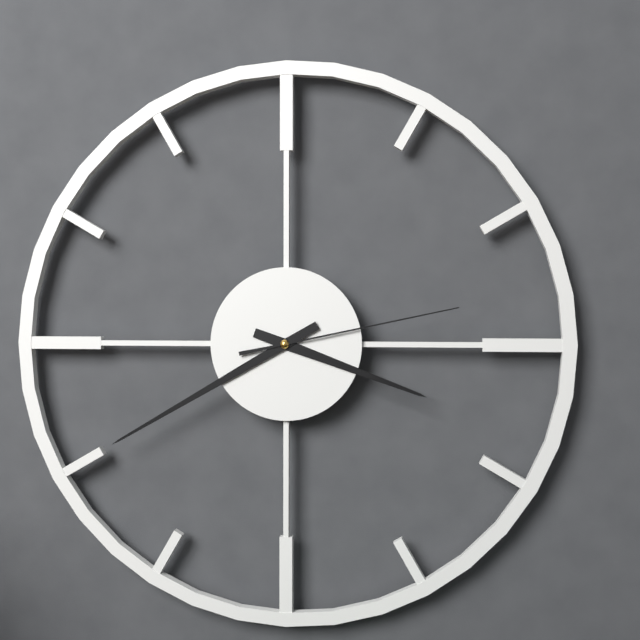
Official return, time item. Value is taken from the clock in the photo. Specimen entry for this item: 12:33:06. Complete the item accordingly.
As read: 3:40:13
